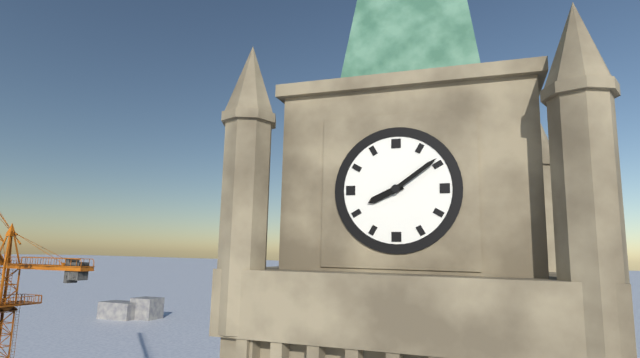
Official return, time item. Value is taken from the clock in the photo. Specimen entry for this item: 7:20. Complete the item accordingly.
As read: 8:09
